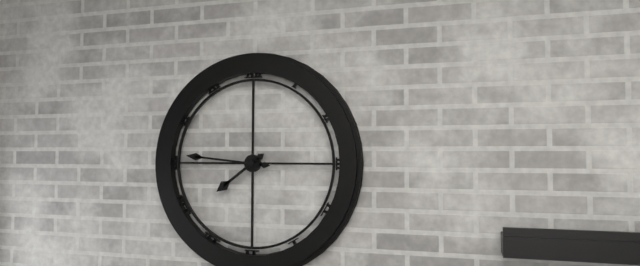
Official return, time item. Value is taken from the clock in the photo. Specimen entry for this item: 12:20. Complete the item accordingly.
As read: 7:46
